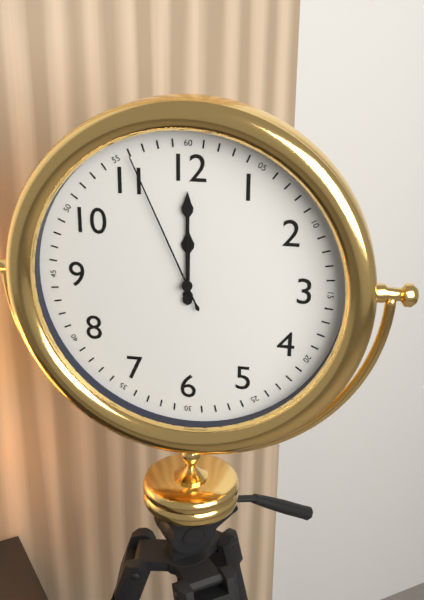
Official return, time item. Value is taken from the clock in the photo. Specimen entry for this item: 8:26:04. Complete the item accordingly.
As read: 12:00:56
